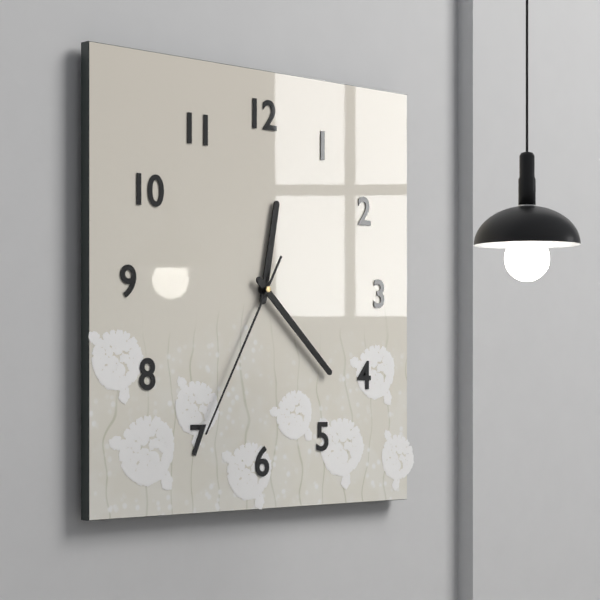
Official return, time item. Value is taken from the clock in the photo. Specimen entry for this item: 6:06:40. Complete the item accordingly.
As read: 12:22:35
